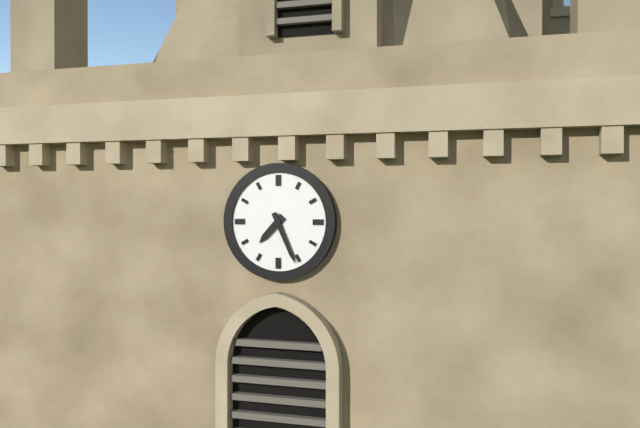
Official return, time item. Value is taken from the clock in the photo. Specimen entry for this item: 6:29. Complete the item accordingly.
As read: 7:26
